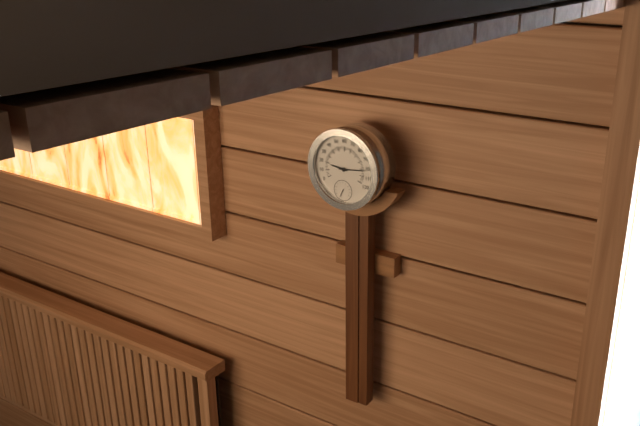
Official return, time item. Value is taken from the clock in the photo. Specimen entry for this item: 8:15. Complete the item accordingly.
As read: 9:14
